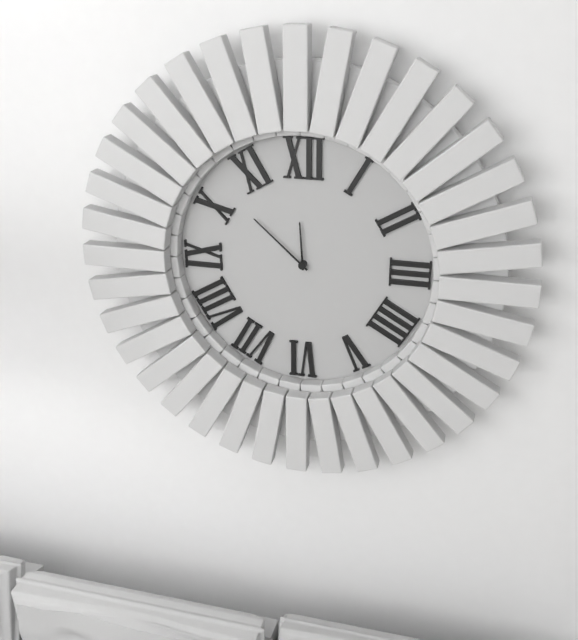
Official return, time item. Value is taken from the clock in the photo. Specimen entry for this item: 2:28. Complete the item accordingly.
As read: 11:52
